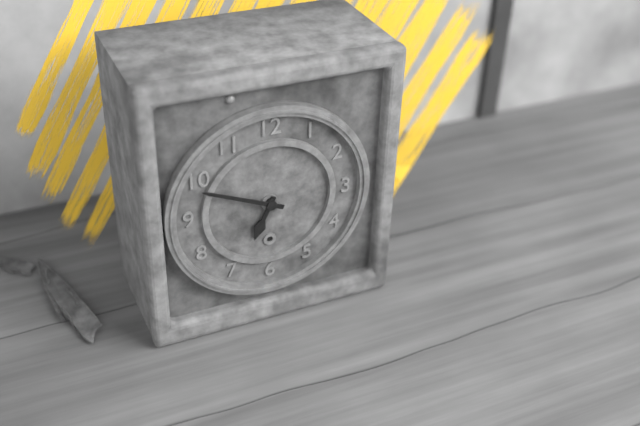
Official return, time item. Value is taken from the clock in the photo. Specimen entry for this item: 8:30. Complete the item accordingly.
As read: 6:49
